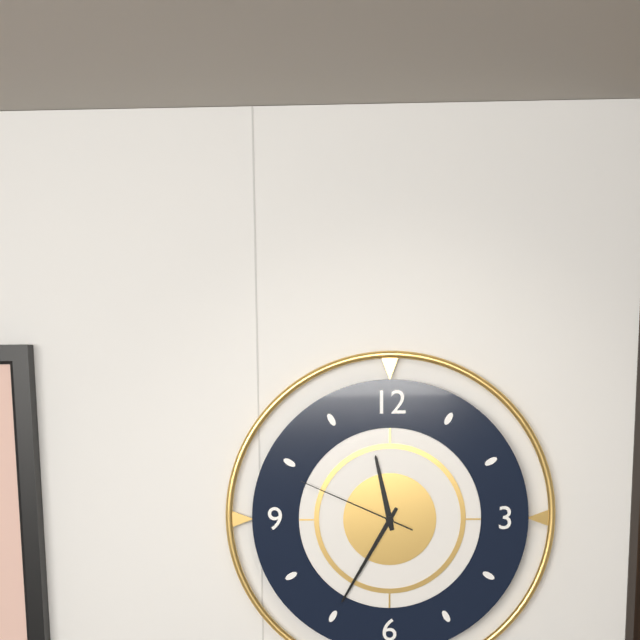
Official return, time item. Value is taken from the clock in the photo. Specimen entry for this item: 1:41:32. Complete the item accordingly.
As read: 11:35:49
